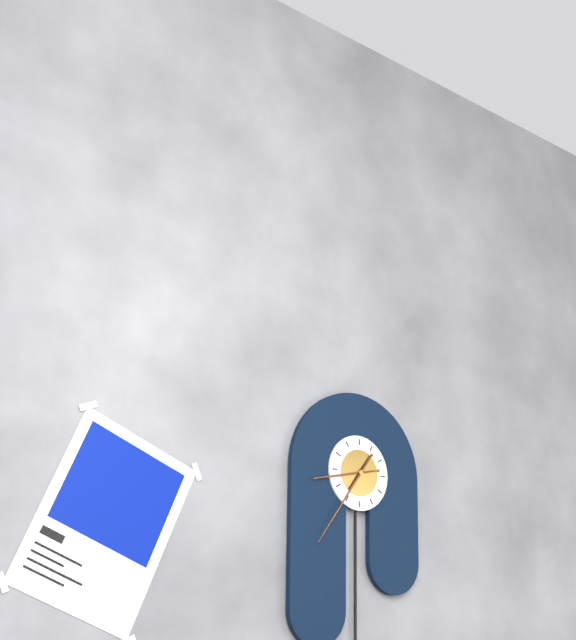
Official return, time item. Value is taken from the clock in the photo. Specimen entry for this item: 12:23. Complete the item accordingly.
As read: 8:36
